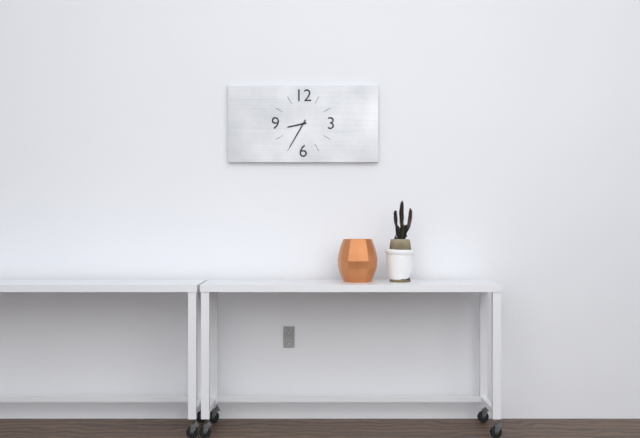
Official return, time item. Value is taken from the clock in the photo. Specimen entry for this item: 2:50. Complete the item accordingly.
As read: 8:35
